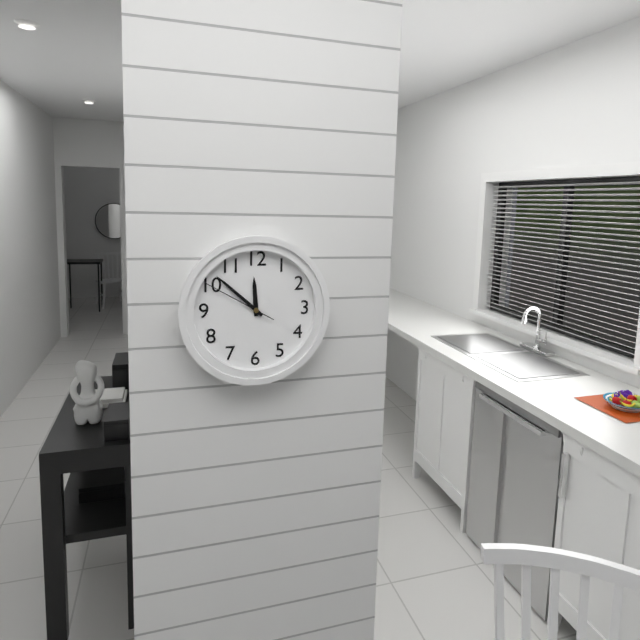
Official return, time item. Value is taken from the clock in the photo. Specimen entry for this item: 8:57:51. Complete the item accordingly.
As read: 11:52:50
